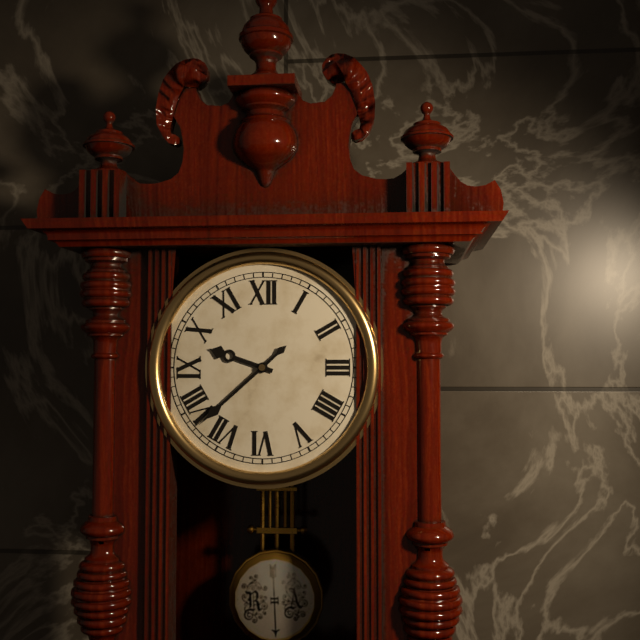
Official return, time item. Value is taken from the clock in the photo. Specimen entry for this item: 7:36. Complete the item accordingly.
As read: 9:38
